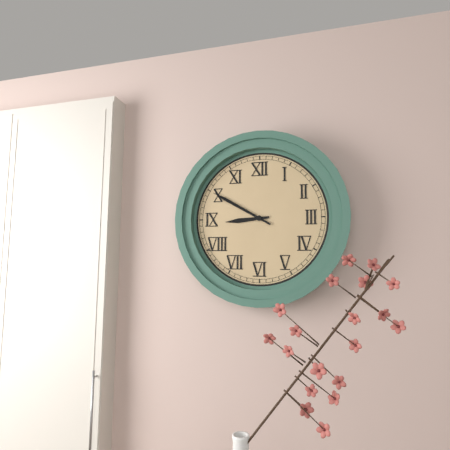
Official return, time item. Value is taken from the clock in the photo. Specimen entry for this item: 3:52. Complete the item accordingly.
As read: 8:50
